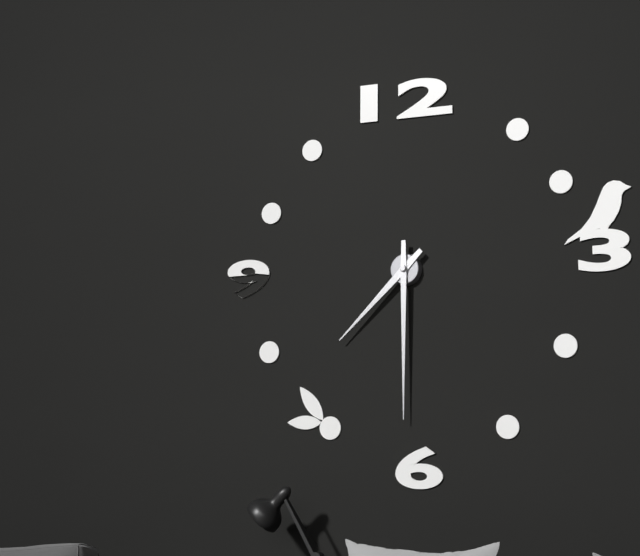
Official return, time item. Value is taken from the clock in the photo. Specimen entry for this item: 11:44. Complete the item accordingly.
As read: 7:30
